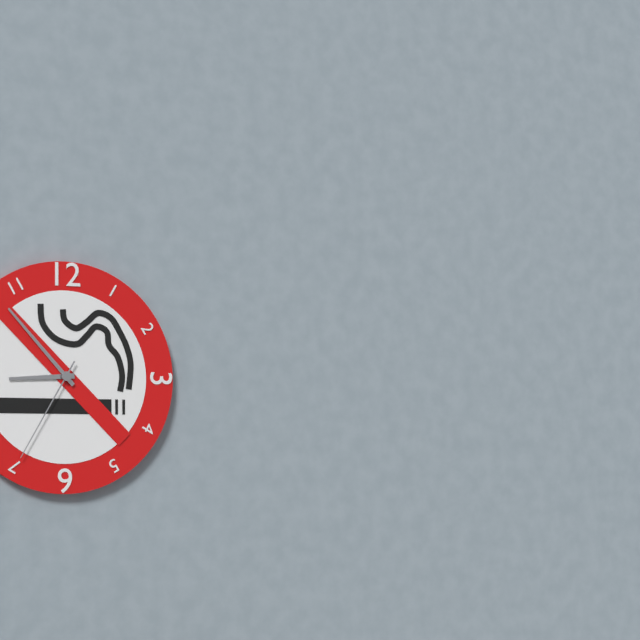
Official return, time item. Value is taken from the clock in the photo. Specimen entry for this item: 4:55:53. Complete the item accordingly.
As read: 8:53:35
